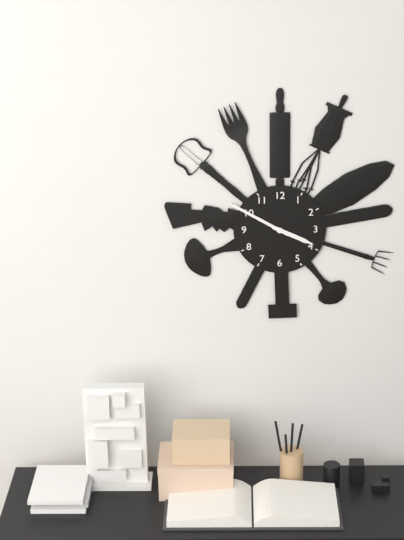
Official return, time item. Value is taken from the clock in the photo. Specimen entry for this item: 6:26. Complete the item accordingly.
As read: 3:50
